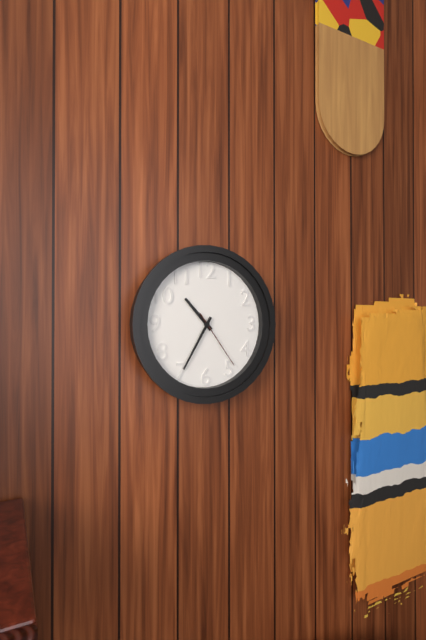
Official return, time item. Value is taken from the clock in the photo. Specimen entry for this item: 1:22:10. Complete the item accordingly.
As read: 10:35:24
